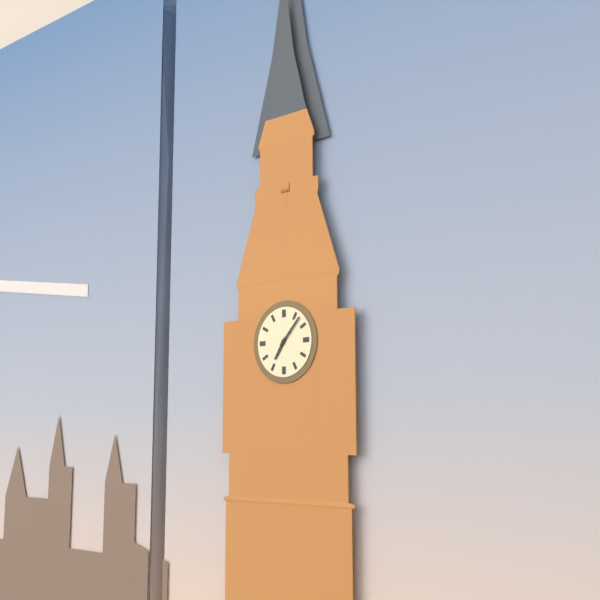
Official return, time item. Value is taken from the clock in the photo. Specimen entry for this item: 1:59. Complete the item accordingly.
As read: 7:07
